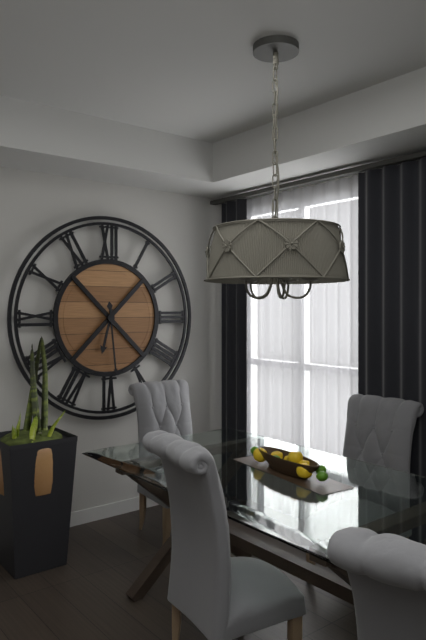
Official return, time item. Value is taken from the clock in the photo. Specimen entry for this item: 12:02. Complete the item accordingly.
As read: 6:29
